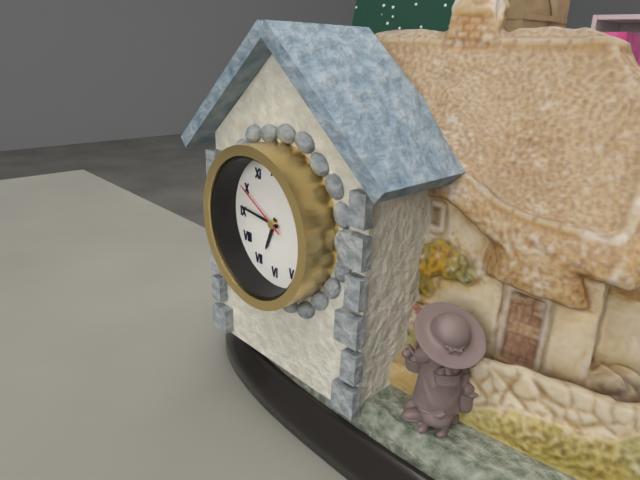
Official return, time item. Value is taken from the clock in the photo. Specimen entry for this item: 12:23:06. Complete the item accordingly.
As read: 6:46:50
